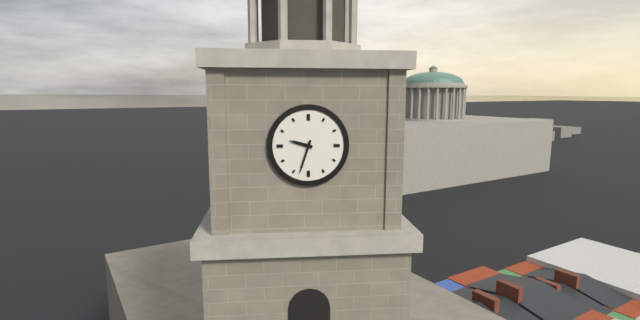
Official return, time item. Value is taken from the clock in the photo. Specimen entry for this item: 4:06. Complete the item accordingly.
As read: 9:33
